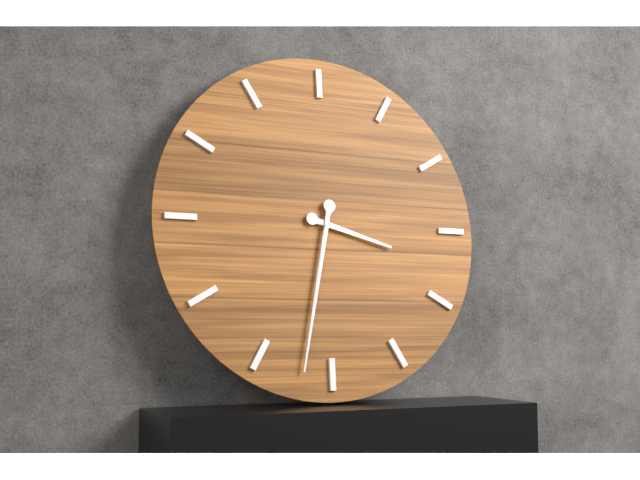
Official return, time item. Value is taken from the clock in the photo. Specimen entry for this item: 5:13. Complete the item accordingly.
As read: 3:32
